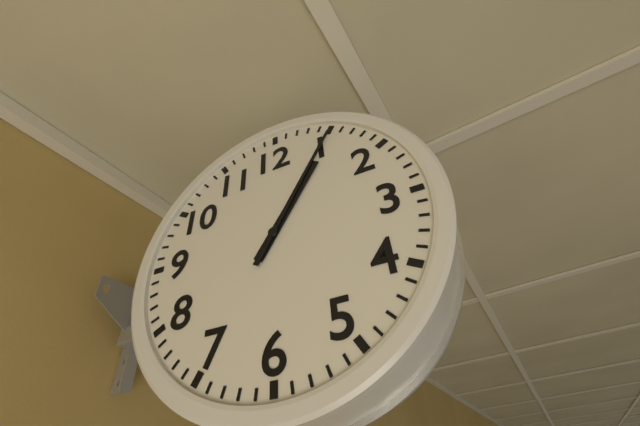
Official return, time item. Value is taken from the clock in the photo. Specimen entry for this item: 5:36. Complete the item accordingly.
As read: 1:05
